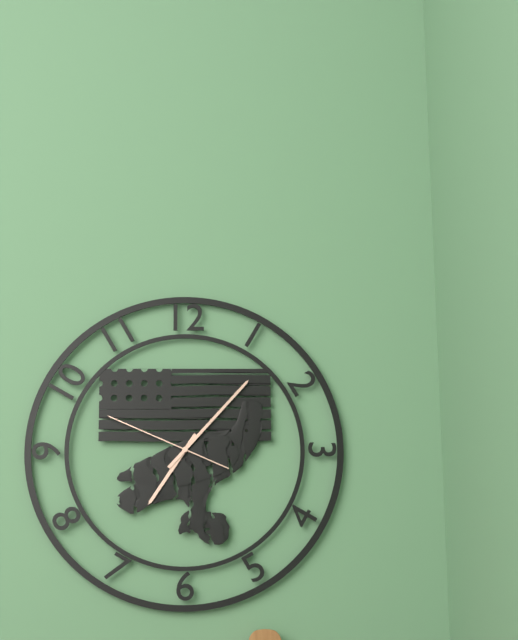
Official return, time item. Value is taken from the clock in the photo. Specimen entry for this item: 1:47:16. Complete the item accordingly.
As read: 7:07:49
